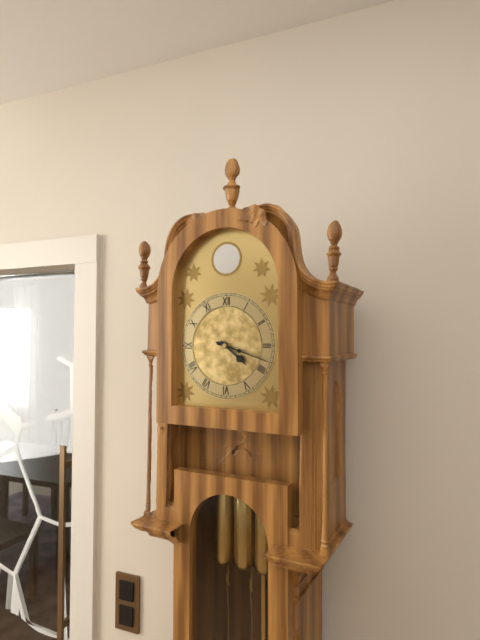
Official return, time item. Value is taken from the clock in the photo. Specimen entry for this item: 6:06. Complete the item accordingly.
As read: 4:18
